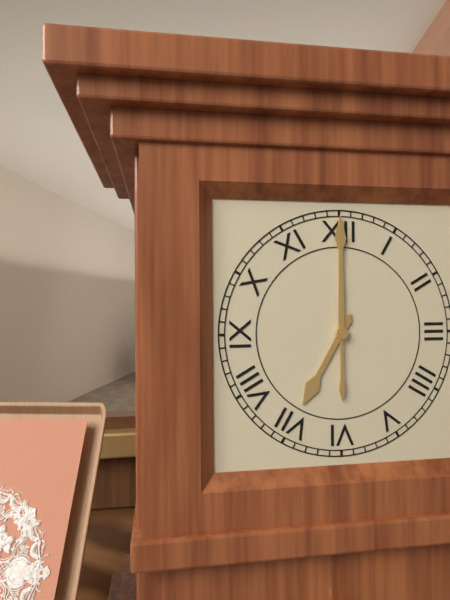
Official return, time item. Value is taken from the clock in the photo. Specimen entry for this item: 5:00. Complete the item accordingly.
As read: 7:00
